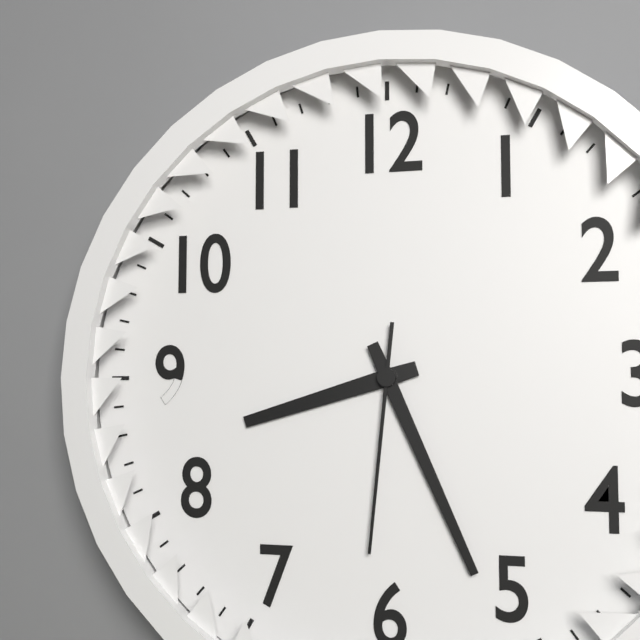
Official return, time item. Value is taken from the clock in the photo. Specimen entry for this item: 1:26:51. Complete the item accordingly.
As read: 8:26:31
